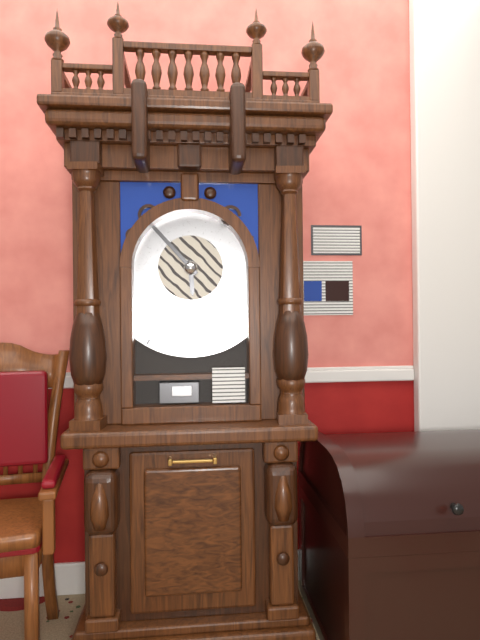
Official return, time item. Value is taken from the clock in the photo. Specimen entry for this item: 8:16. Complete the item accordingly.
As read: 5:53
